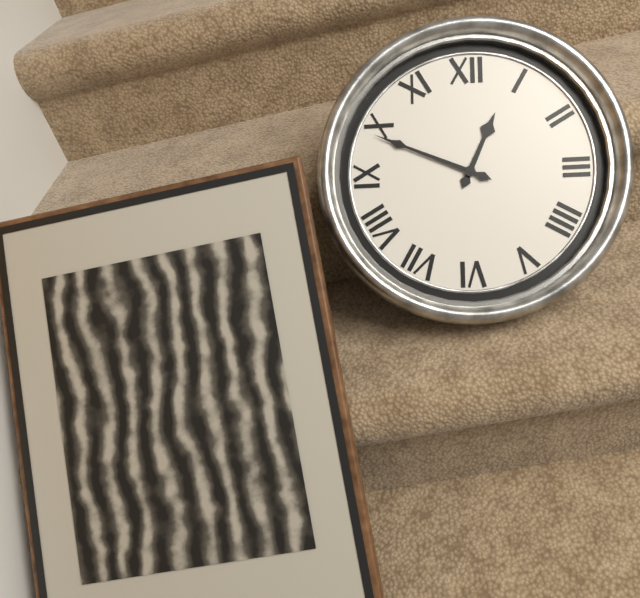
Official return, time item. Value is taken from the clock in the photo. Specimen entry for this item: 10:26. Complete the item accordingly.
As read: 12:49
